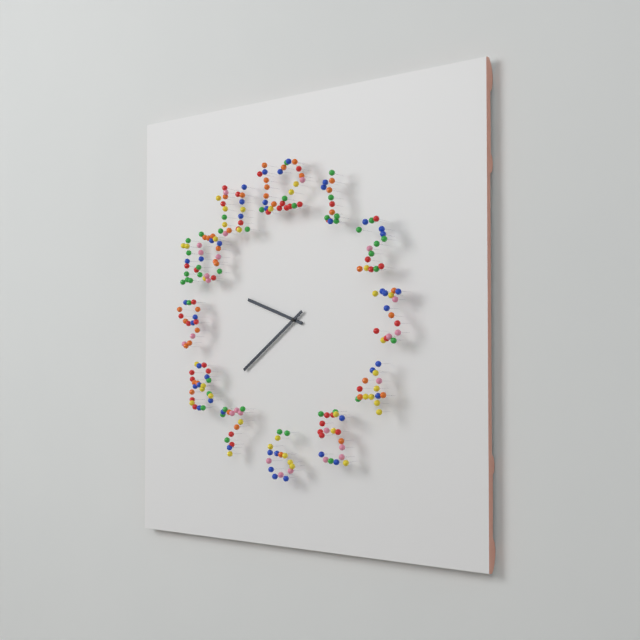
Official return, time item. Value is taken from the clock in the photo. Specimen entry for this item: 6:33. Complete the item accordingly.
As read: 9:39
